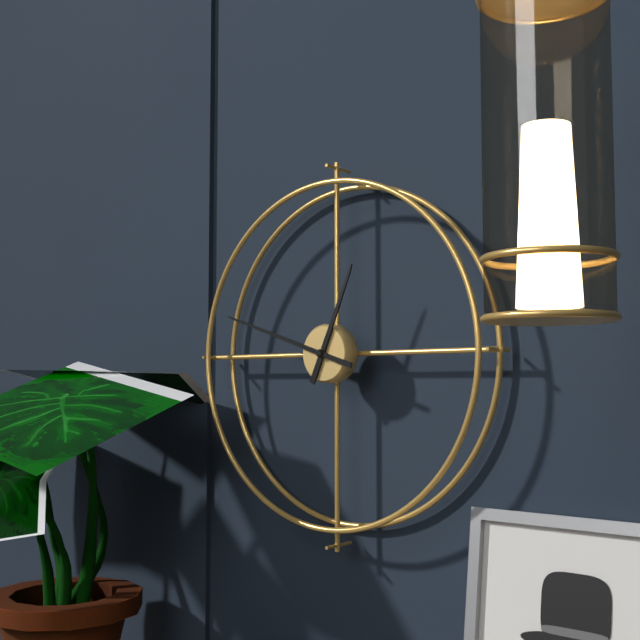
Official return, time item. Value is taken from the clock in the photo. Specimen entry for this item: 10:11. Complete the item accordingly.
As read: 12:48
